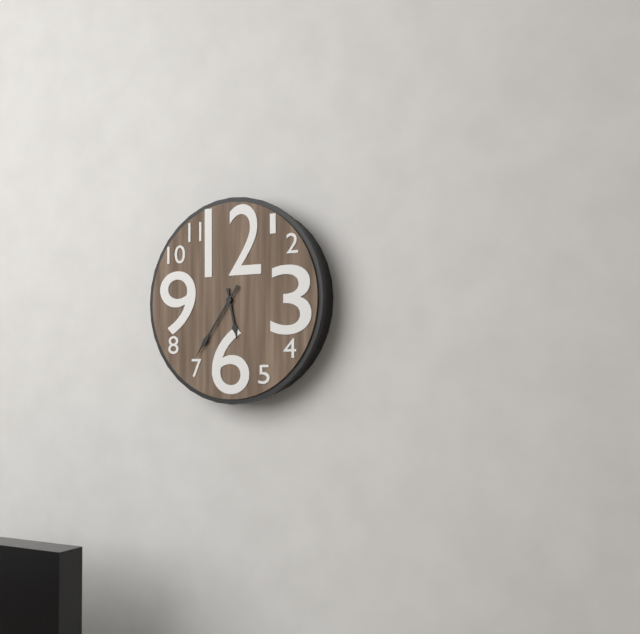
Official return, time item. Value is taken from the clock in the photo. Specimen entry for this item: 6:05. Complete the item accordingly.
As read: 5:36
